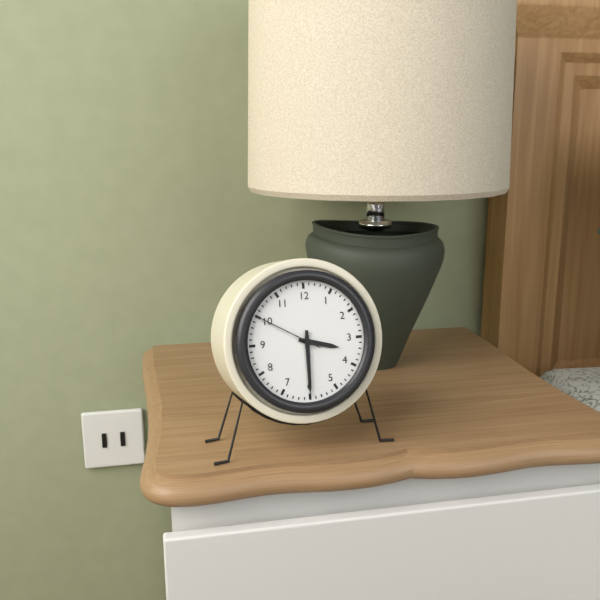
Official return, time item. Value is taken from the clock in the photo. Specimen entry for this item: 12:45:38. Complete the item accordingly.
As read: 3:30:50
